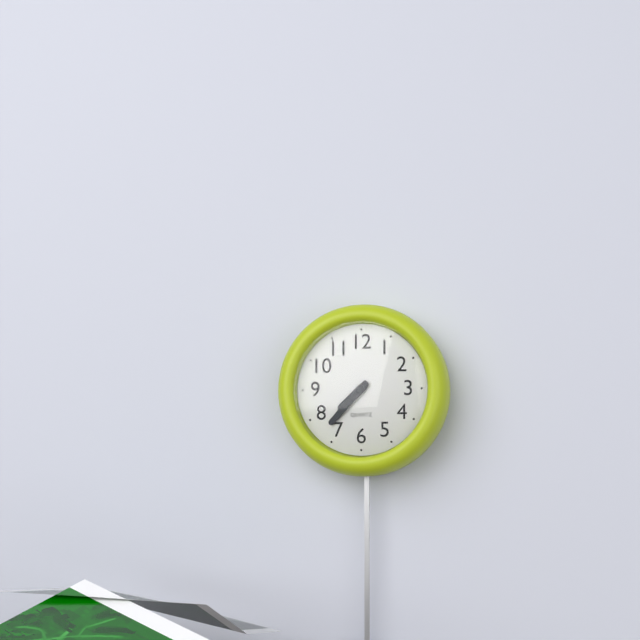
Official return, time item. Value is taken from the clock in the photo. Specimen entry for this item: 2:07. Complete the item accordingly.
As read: 7:37
